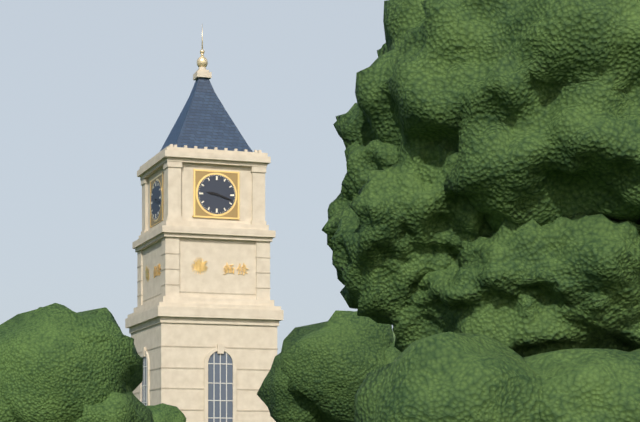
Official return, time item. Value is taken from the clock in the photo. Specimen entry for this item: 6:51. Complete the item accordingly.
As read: 9:18
